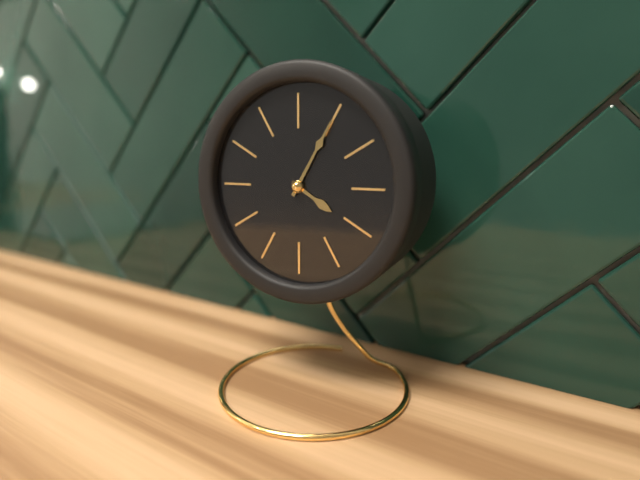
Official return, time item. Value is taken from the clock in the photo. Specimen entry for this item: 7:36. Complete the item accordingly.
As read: 4:05
